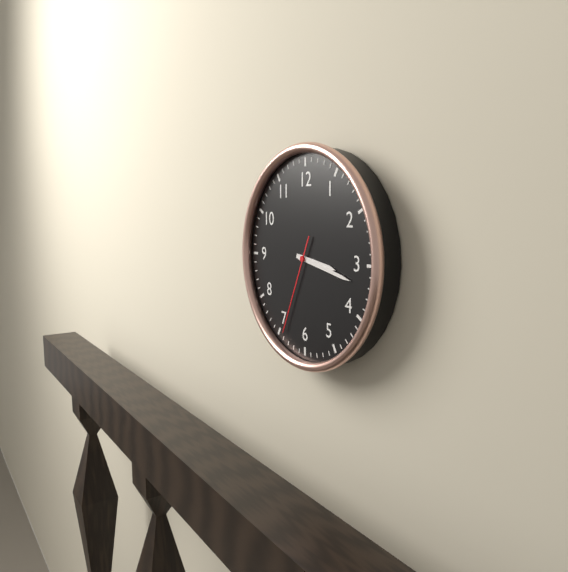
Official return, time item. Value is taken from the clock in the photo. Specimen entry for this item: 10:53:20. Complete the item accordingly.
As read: 3:17:34
